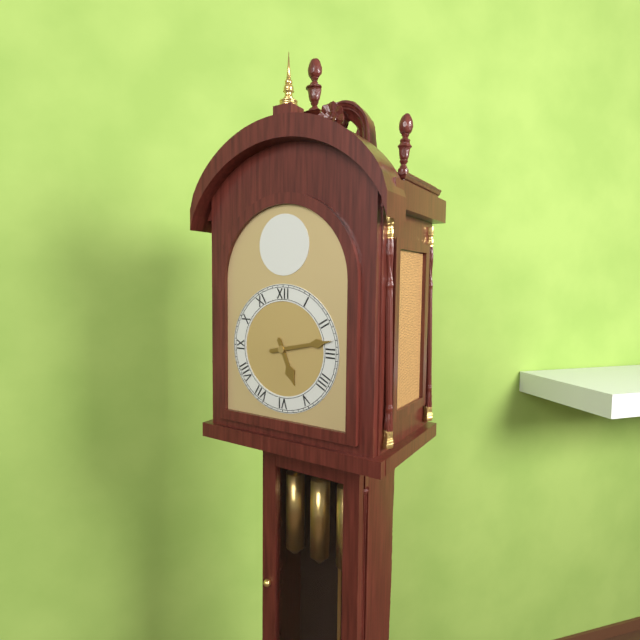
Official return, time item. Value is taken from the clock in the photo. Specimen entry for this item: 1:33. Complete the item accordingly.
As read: 5:13
